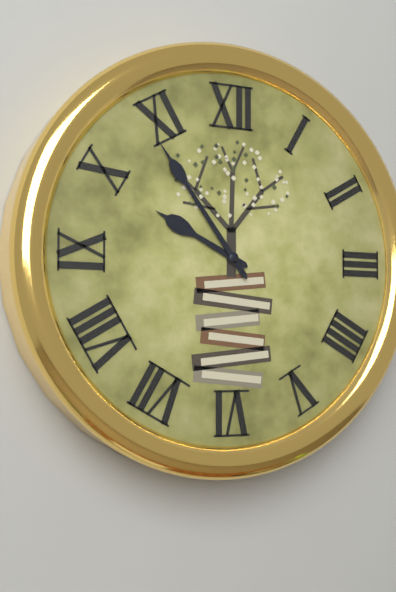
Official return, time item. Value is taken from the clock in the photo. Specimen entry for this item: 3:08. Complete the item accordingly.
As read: 9:54
